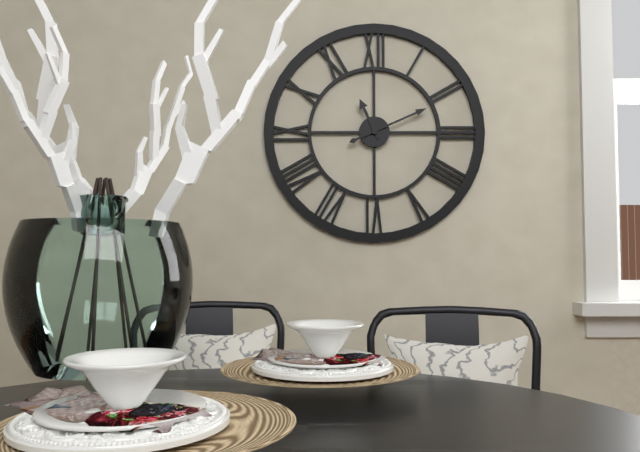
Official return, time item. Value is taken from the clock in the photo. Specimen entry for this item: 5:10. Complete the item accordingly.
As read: 11:11
